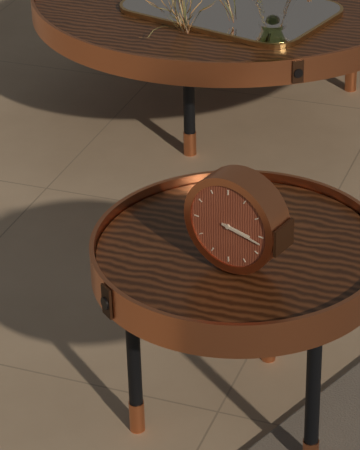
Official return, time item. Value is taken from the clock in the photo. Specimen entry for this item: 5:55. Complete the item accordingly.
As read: 3:17
